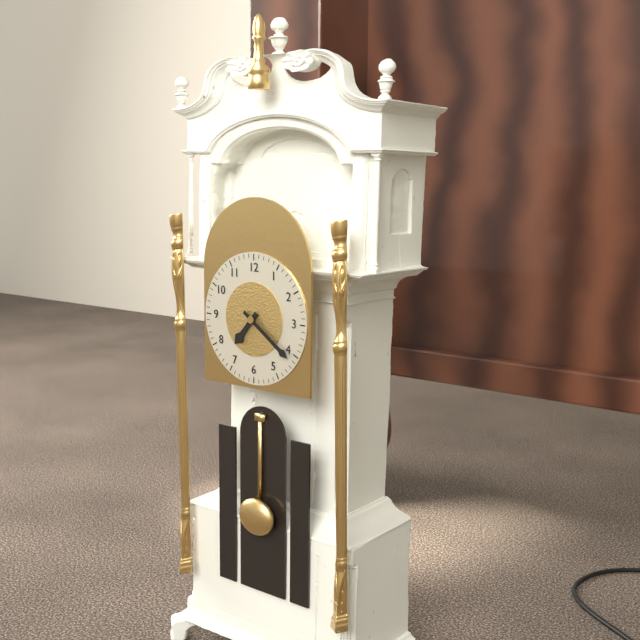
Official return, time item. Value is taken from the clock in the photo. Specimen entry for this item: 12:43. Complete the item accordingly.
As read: 7:21
